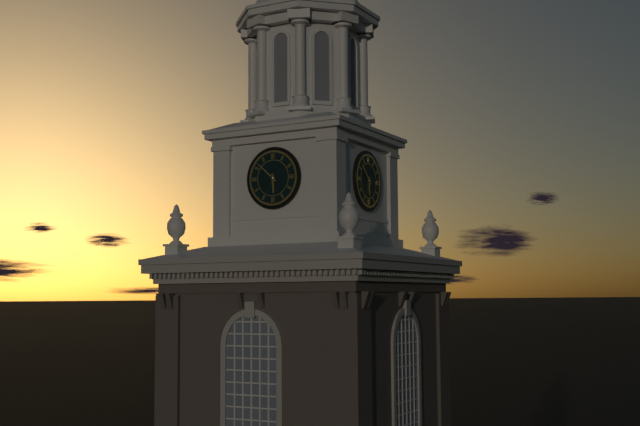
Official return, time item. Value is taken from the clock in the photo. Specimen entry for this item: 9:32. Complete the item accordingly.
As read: 5:52
